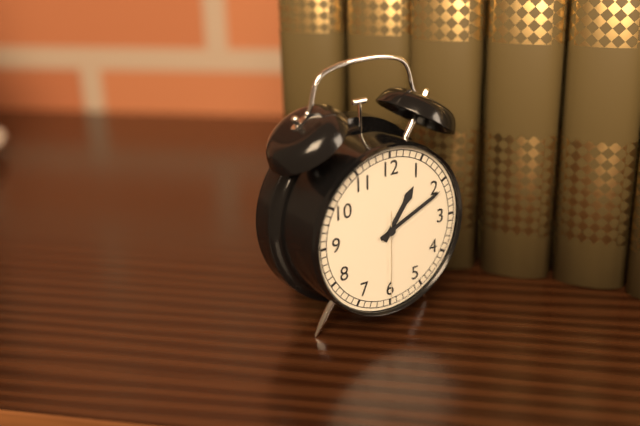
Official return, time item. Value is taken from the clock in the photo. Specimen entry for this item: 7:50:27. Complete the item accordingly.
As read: 1:11:30
